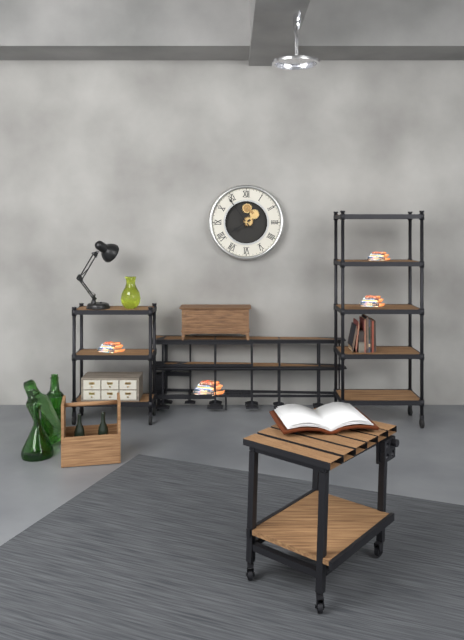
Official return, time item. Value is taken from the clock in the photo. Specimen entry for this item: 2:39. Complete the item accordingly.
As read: 7:54
